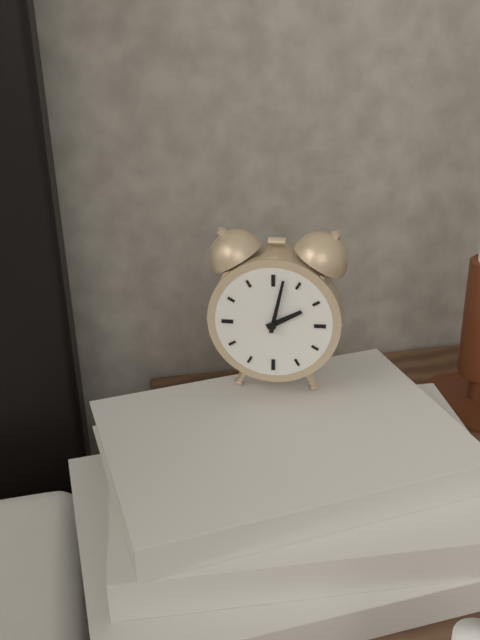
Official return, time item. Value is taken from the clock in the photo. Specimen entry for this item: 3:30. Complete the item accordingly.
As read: 2:02
